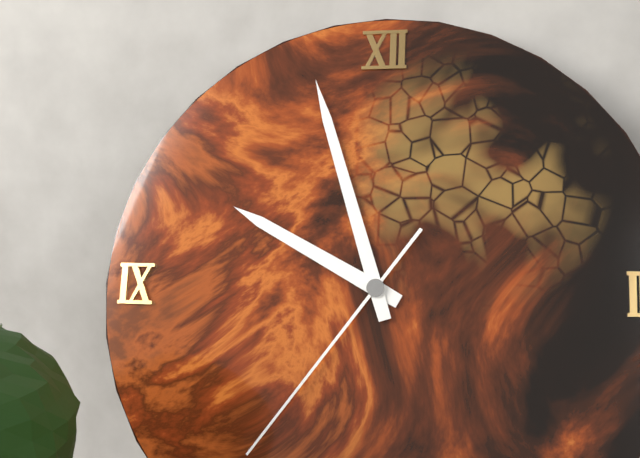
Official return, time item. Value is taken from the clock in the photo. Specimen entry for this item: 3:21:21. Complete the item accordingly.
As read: 9:57:36
